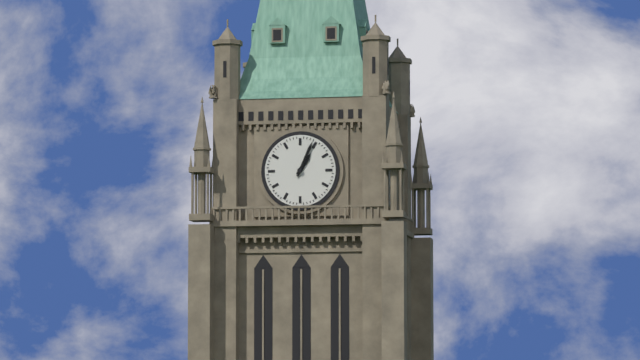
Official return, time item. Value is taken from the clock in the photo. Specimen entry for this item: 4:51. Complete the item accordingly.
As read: 1:04
